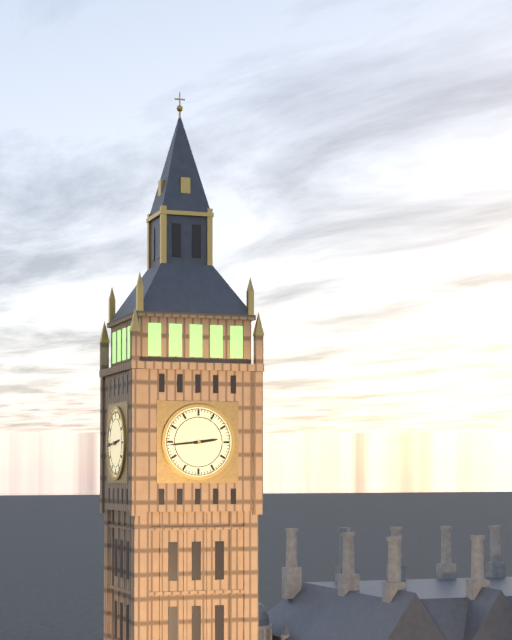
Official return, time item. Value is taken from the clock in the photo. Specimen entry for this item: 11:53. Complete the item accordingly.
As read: 2:44
